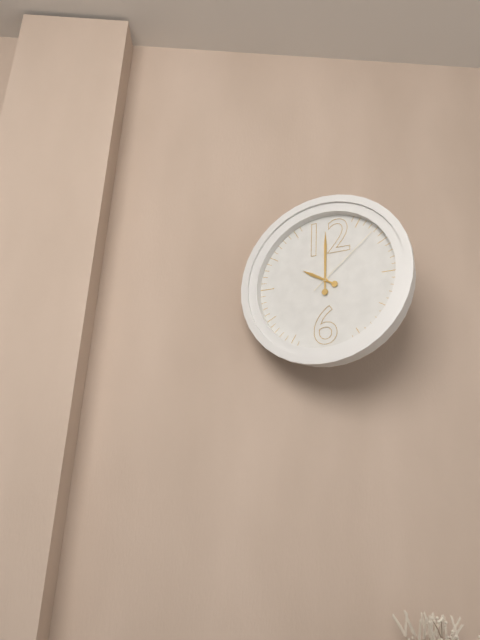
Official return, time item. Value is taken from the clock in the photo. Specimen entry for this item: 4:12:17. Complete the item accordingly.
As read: 10:00:08
